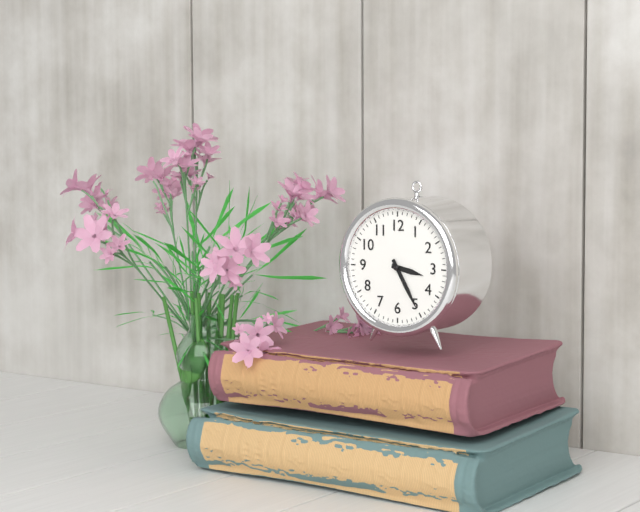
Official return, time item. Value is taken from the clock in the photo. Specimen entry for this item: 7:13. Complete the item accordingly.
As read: 3:25
